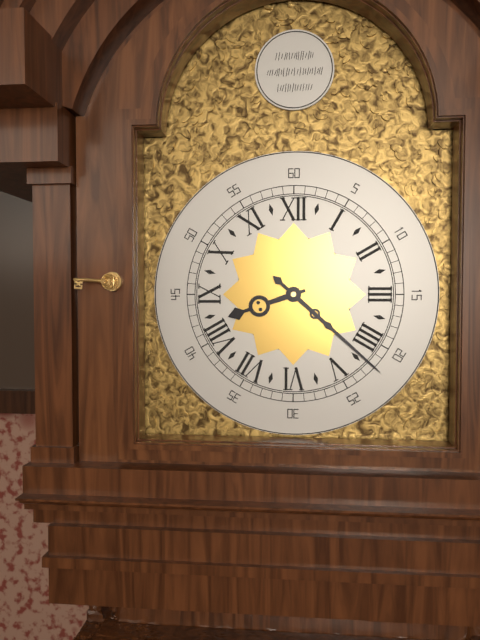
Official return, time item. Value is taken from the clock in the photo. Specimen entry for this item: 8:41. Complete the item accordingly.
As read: 8:22
